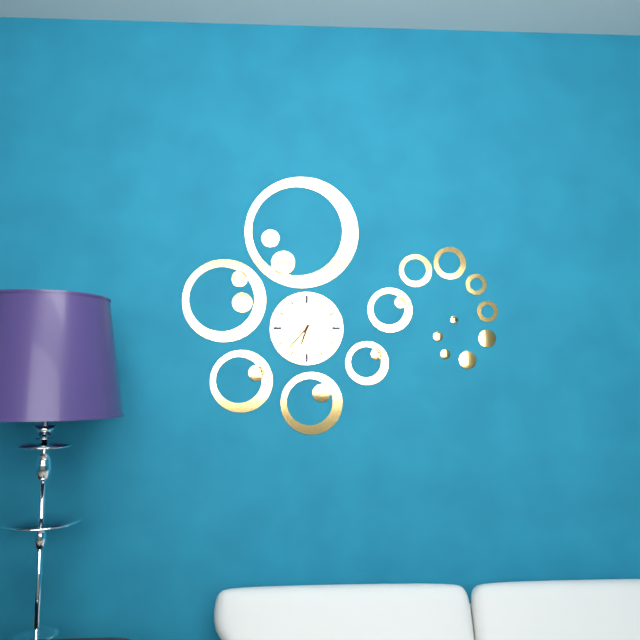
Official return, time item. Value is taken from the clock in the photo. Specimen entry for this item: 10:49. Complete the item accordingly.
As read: 6:37
